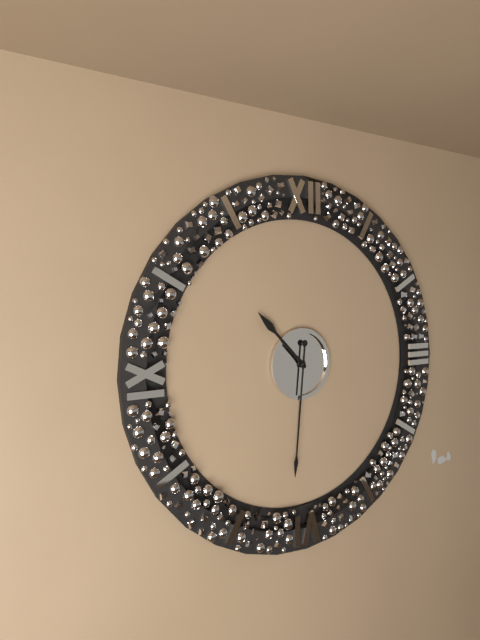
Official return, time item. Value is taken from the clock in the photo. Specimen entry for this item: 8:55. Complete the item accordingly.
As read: 10:31
